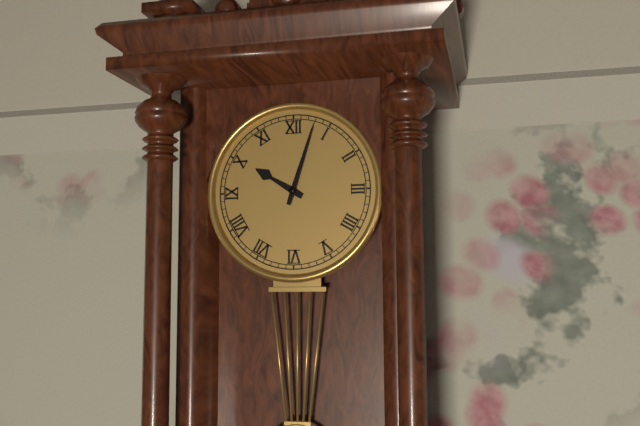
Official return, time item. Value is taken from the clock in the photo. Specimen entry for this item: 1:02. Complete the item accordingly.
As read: 10:03
